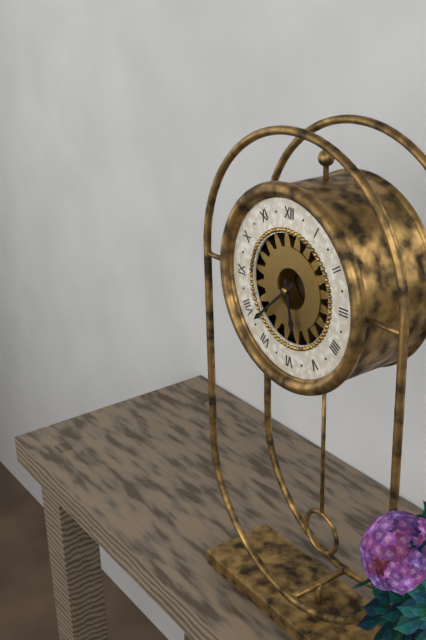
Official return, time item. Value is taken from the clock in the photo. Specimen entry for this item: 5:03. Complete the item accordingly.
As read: 5:38
